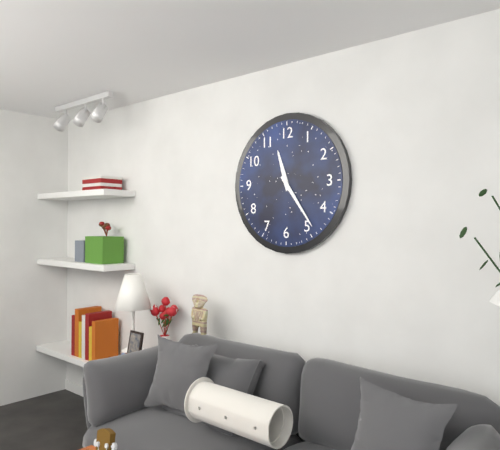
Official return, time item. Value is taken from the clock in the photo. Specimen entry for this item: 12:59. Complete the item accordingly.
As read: 11:24
